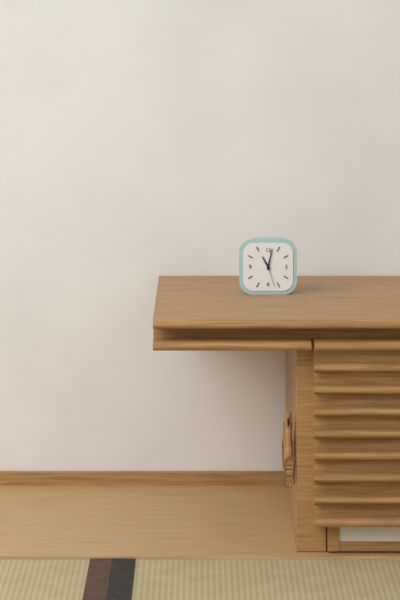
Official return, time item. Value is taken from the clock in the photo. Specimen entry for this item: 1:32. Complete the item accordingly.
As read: 11:02
